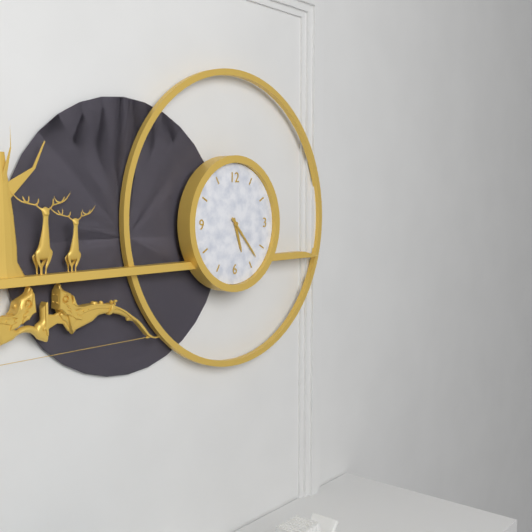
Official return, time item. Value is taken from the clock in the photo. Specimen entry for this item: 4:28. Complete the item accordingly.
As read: 5:23
